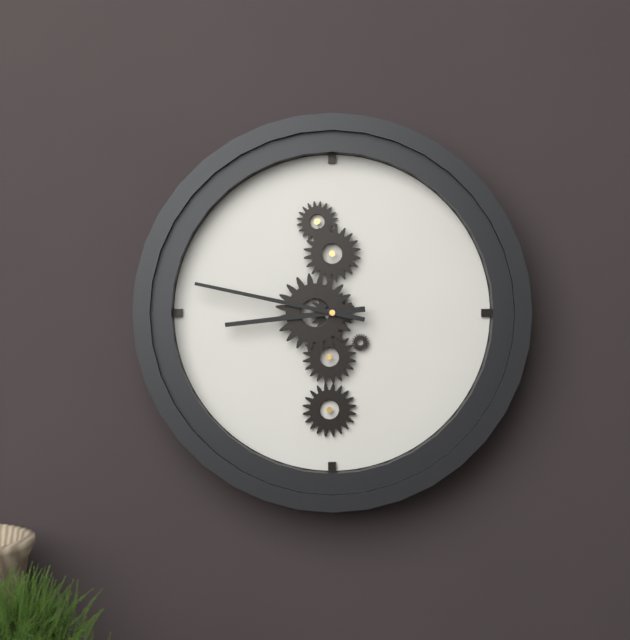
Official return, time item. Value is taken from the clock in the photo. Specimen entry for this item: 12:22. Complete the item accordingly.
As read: 8:47
